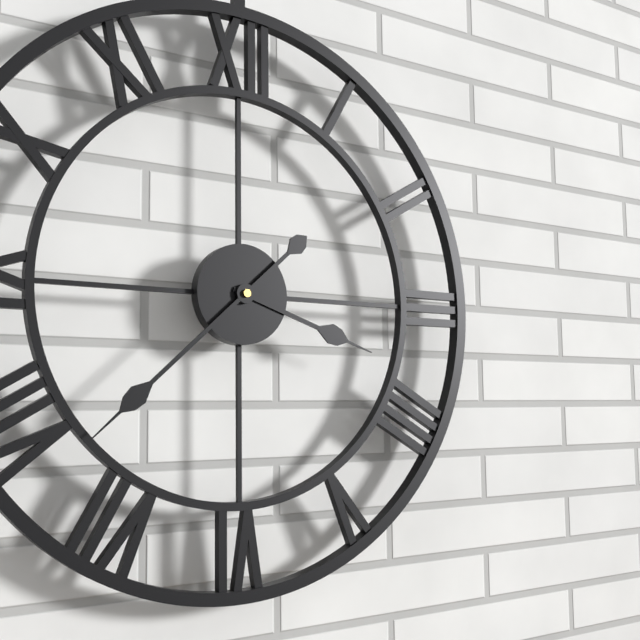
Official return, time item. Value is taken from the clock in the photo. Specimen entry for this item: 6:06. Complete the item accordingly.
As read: 3:38
